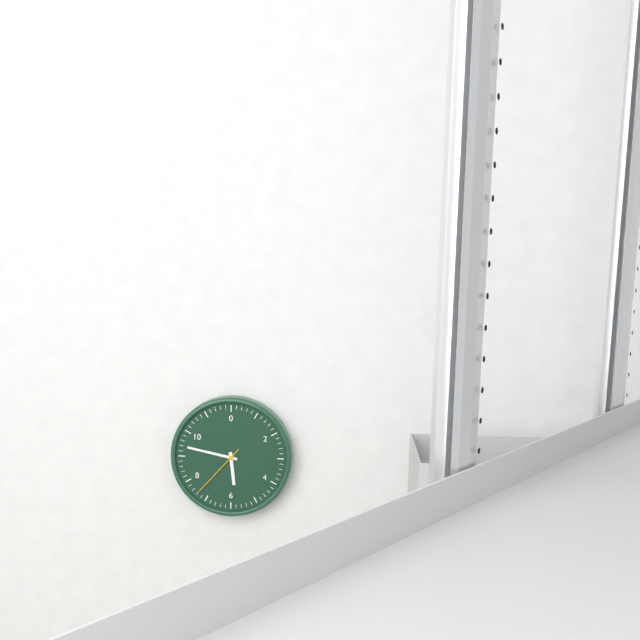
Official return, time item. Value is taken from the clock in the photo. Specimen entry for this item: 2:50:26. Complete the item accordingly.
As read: 5:47:37
